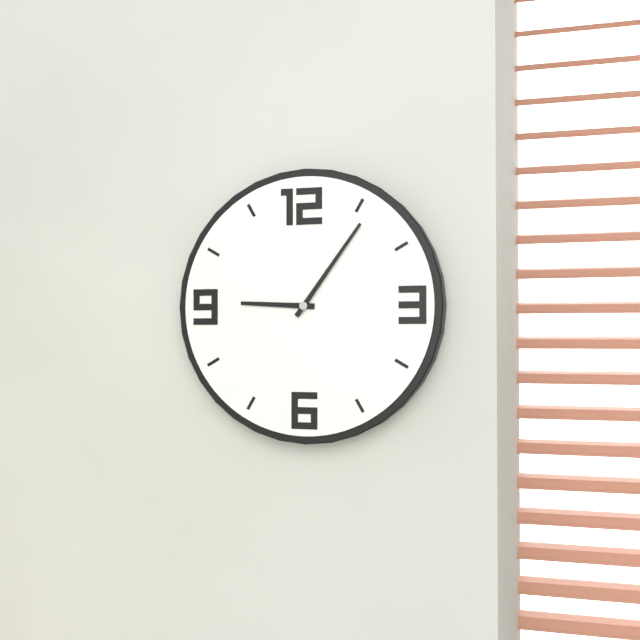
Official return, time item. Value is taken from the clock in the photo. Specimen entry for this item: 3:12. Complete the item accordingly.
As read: 9:06
